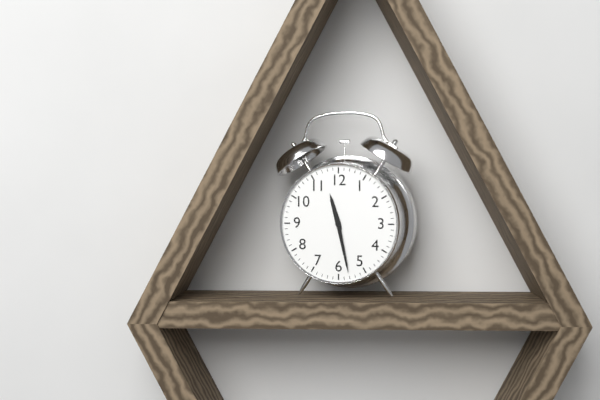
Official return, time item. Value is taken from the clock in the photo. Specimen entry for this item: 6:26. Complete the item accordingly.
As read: 11:28
